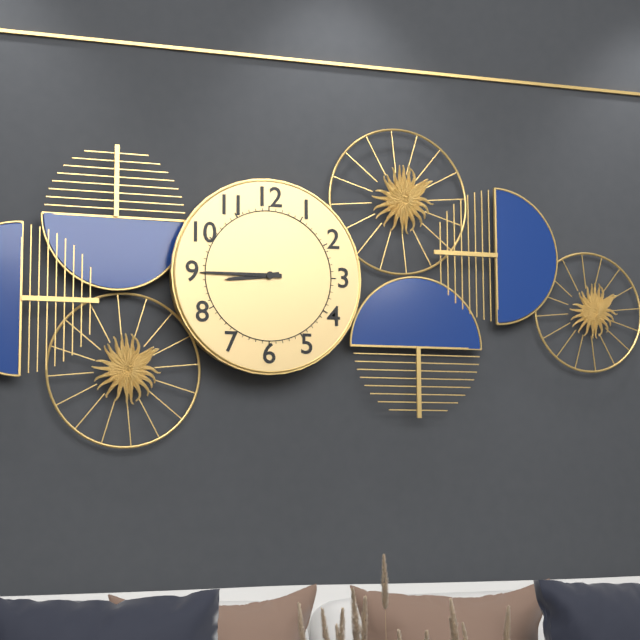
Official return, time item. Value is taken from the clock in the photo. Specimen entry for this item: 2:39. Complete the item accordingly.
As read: 8:45
